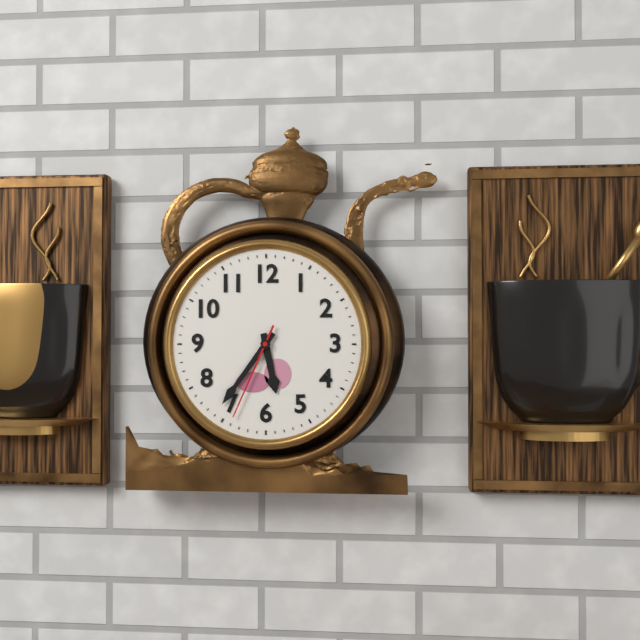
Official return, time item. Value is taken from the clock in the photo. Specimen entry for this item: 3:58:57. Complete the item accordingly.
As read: 5:36:34
